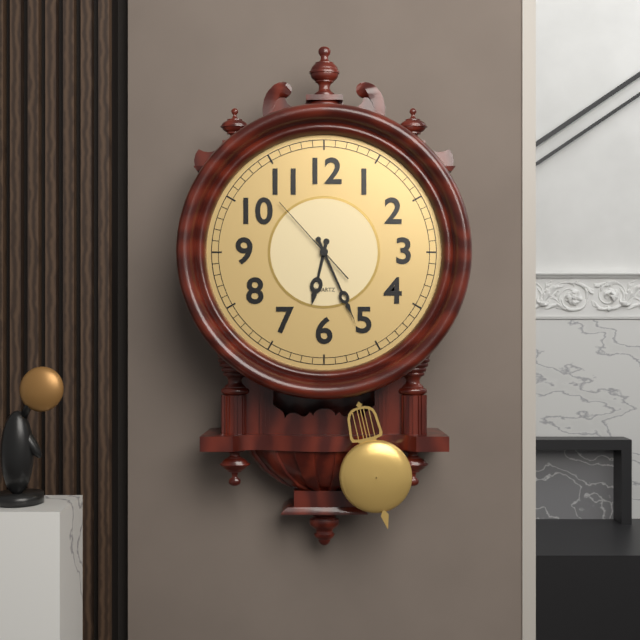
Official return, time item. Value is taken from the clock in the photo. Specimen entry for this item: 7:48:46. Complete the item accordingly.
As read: 6:26:53
